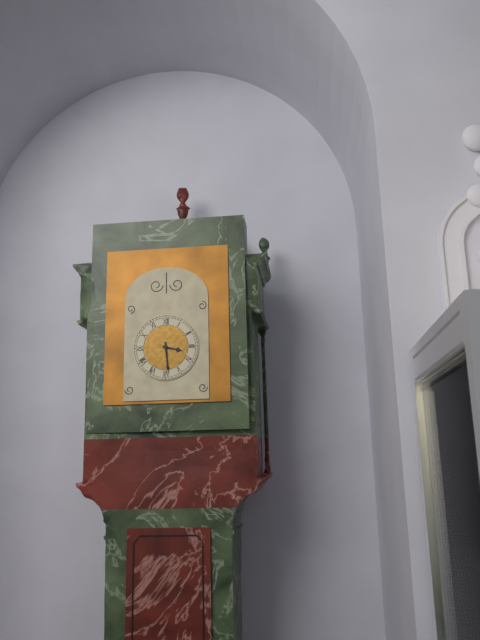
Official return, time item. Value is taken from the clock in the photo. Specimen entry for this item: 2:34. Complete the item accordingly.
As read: 3:29
